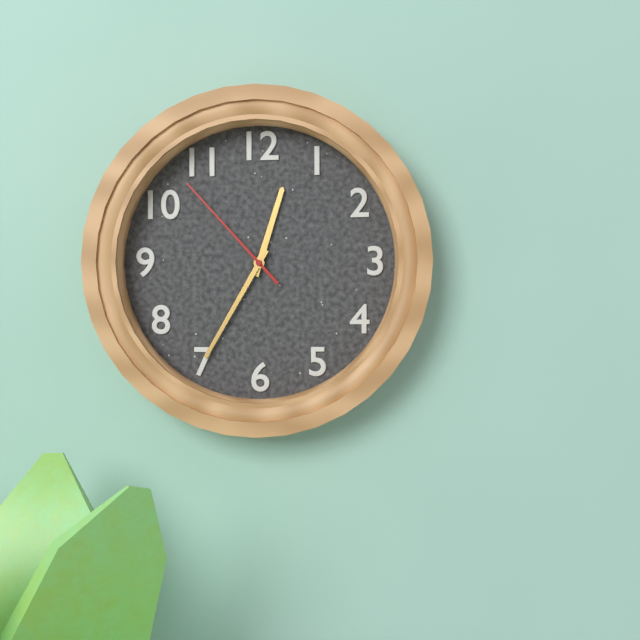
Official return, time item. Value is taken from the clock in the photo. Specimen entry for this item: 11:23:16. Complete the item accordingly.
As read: 12:35:53
